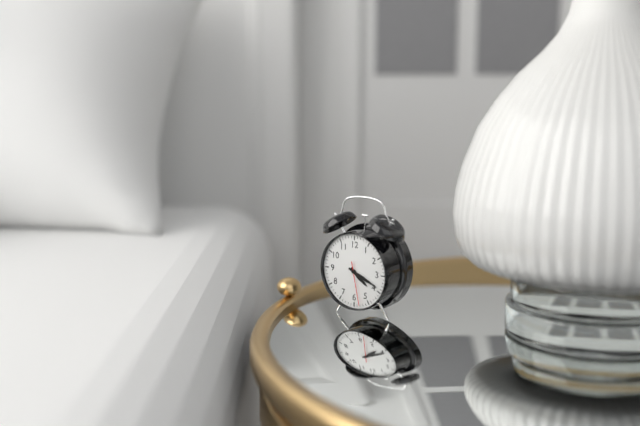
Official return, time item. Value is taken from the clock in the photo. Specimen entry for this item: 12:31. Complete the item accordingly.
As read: 4:19
